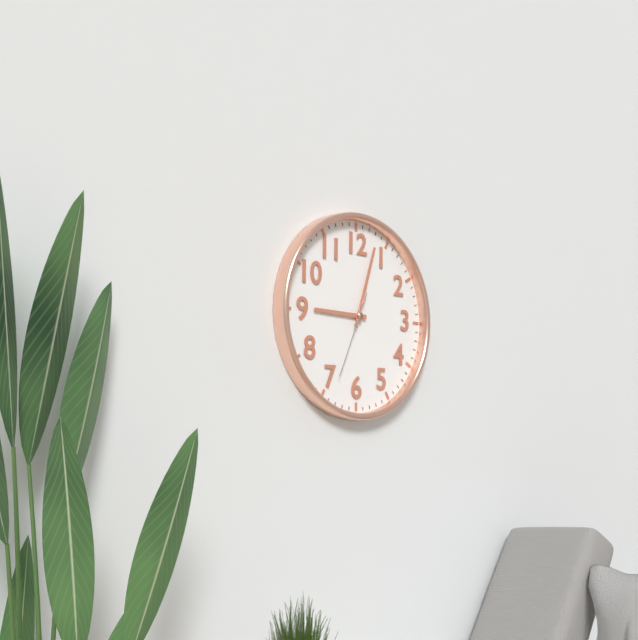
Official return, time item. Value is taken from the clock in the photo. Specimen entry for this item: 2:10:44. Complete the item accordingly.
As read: 9:03:34
